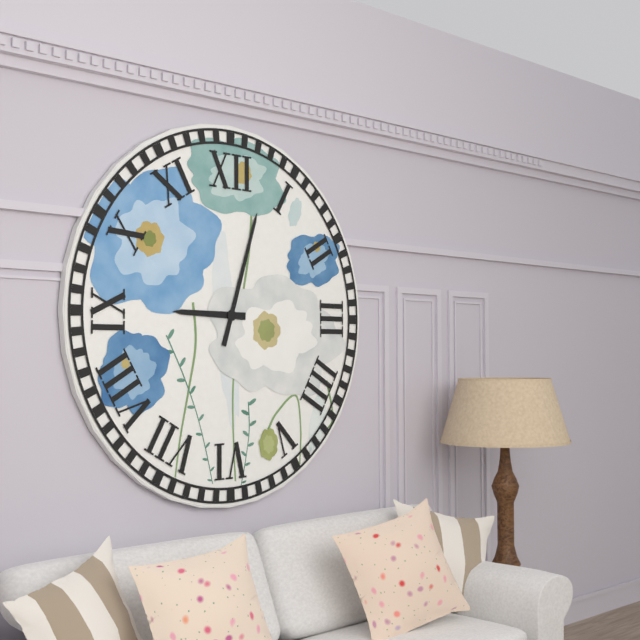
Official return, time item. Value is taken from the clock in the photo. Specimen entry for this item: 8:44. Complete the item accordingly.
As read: 9:03
